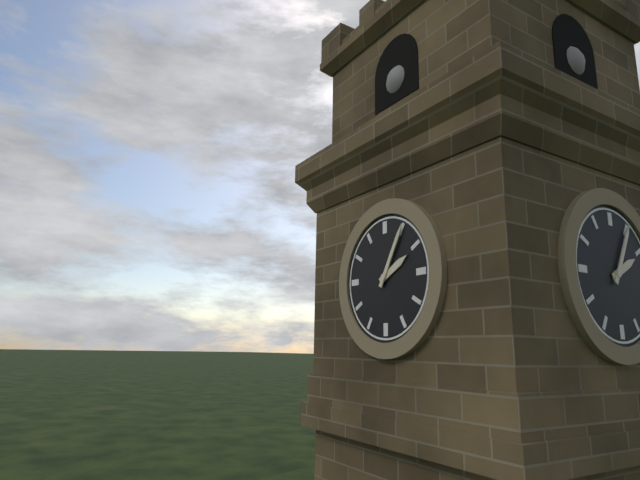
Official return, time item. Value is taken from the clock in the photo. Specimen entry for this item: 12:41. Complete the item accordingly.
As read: 2:05
